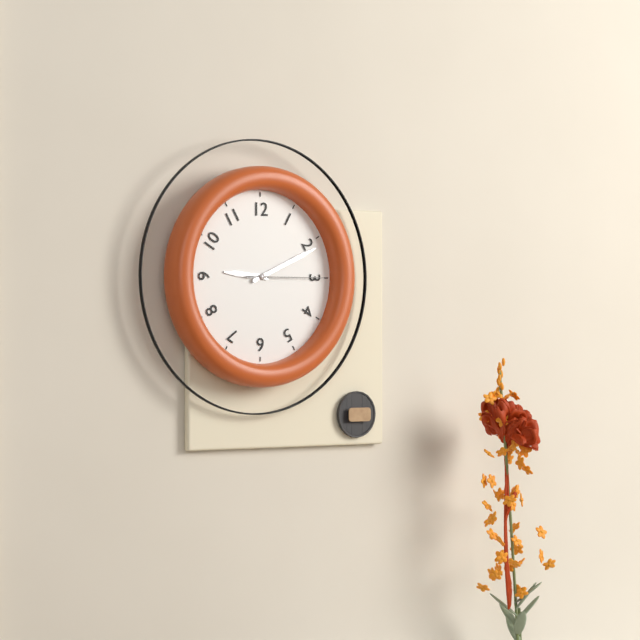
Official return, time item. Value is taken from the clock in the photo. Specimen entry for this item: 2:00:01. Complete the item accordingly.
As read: 9:11:15
